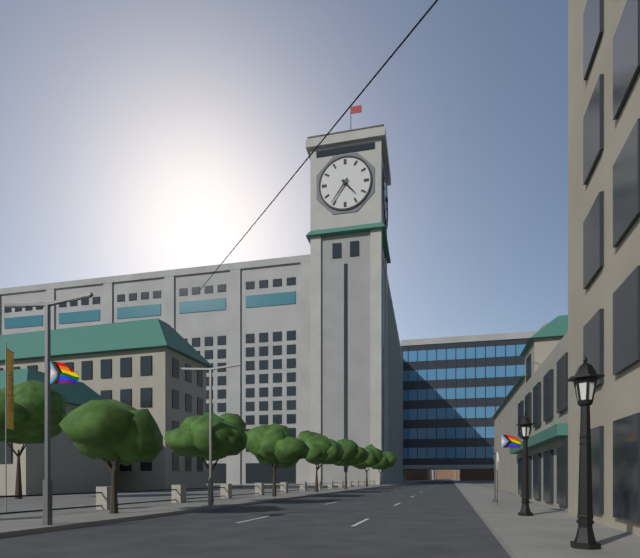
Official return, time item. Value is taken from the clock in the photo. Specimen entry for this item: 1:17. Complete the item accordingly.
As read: 4:36
